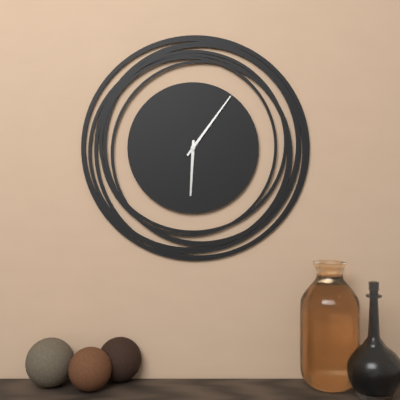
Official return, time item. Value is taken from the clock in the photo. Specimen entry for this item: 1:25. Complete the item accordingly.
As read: 6:06
